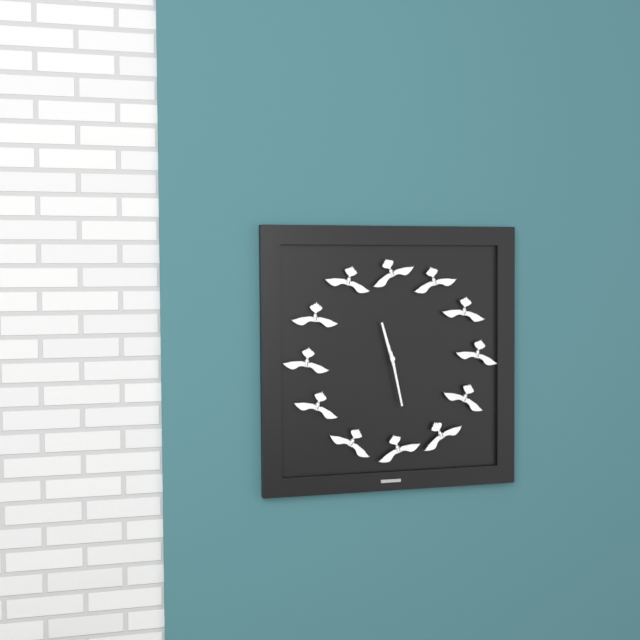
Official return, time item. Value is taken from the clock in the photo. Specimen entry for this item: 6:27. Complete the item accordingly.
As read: 11:28
